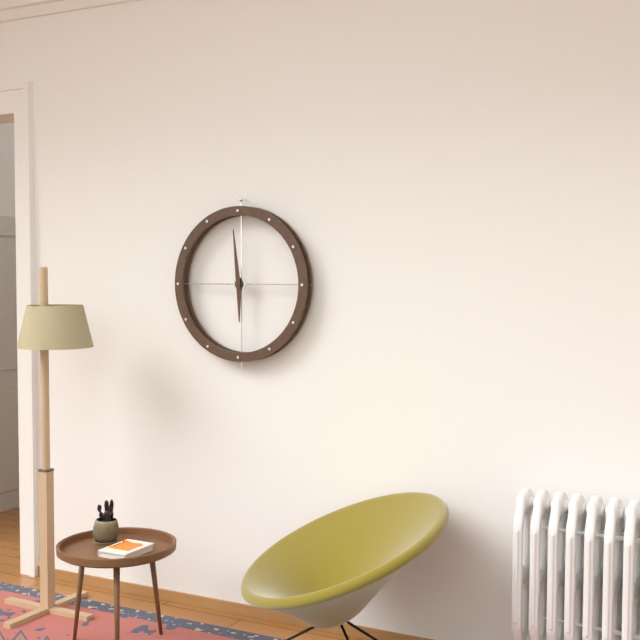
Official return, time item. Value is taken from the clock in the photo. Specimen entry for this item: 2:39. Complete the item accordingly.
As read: 5:59
